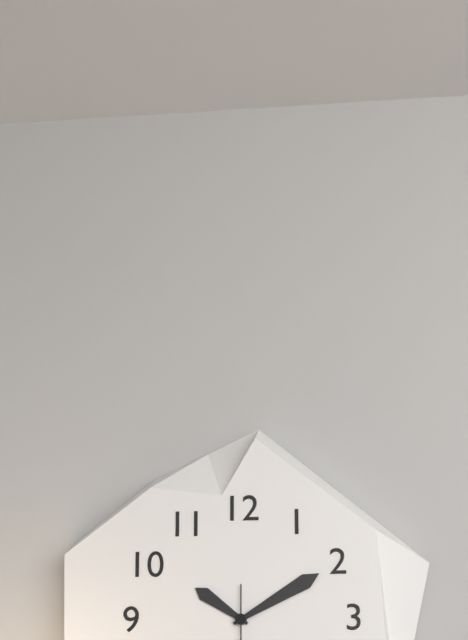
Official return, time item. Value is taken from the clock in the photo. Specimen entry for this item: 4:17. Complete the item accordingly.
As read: 10:10
